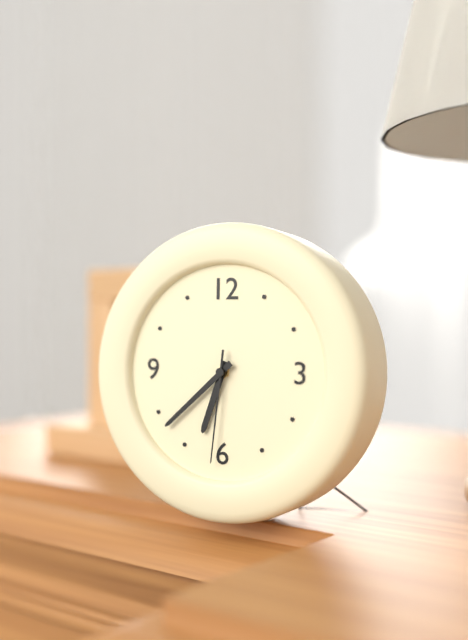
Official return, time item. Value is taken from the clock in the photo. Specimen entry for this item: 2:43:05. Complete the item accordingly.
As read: 6:38:31
